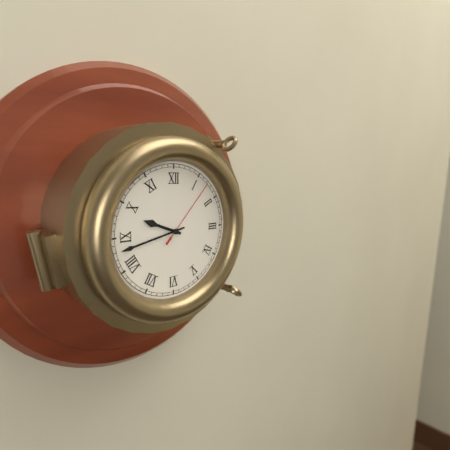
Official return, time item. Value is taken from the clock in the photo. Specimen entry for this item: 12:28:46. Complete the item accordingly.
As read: 9:43:07
